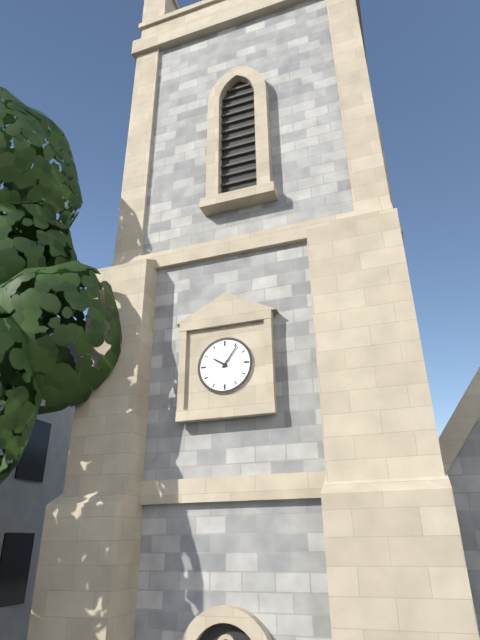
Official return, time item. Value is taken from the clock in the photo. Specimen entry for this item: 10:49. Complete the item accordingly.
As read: 10:06
